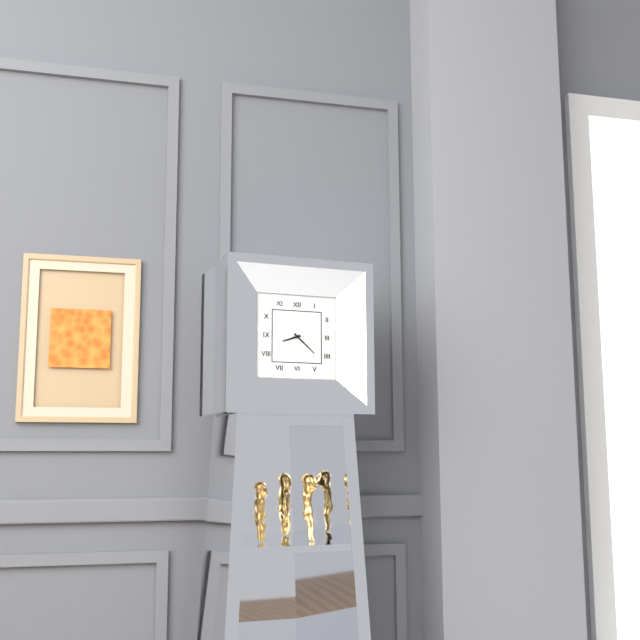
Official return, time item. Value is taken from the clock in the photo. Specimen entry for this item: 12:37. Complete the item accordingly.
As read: 8:22
